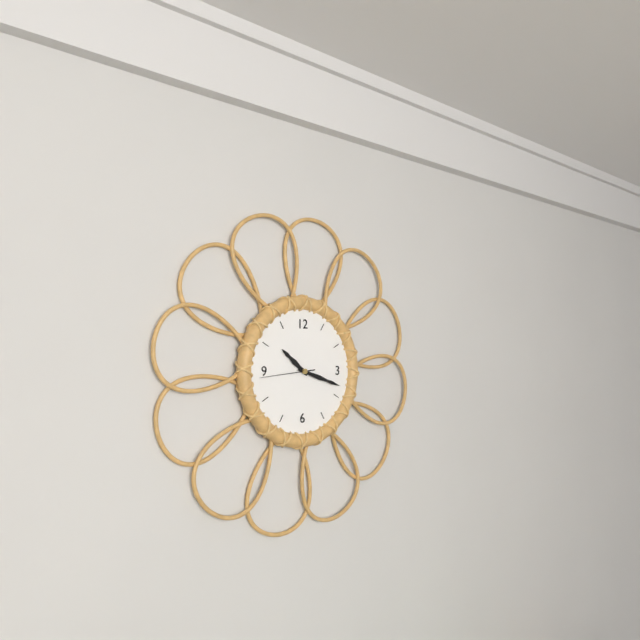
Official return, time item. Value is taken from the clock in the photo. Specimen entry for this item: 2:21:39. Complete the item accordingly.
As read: 10:18:44
